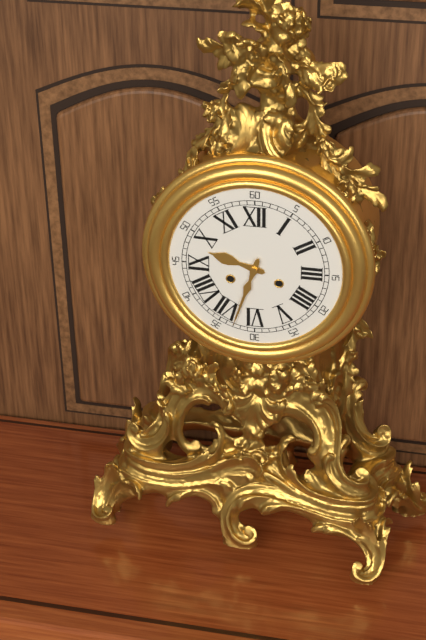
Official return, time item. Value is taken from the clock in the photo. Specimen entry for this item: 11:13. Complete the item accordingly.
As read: 9:33
